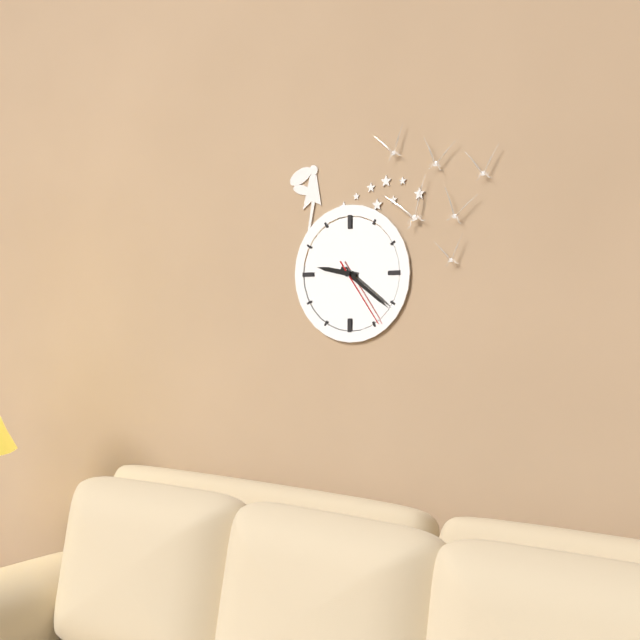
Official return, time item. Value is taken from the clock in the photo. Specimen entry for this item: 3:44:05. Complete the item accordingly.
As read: 9:21:24
